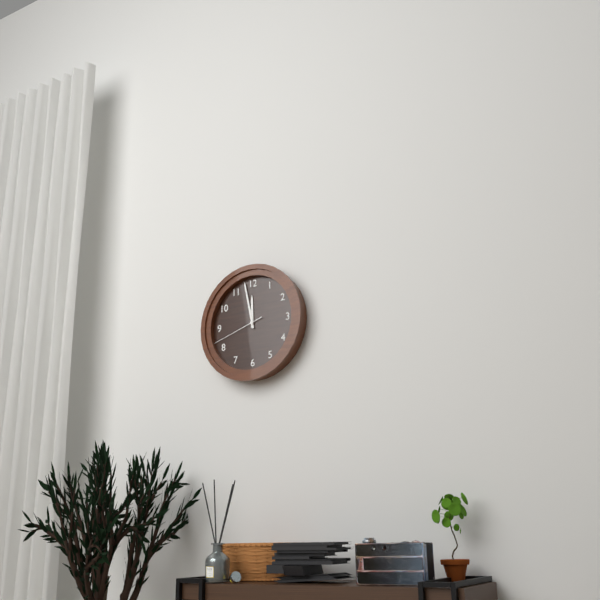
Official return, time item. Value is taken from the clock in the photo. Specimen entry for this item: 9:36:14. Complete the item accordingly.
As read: 11:58:42
